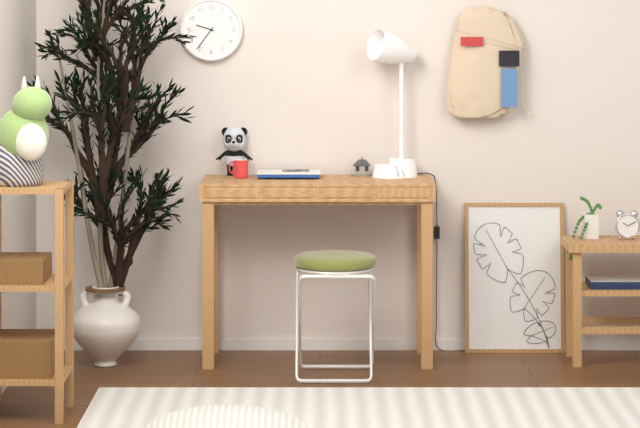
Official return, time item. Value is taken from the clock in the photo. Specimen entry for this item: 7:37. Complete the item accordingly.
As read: 9:36
